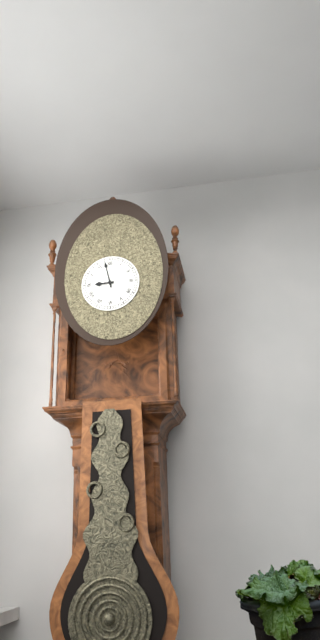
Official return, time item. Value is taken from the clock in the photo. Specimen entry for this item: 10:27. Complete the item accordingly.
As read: 8:58
